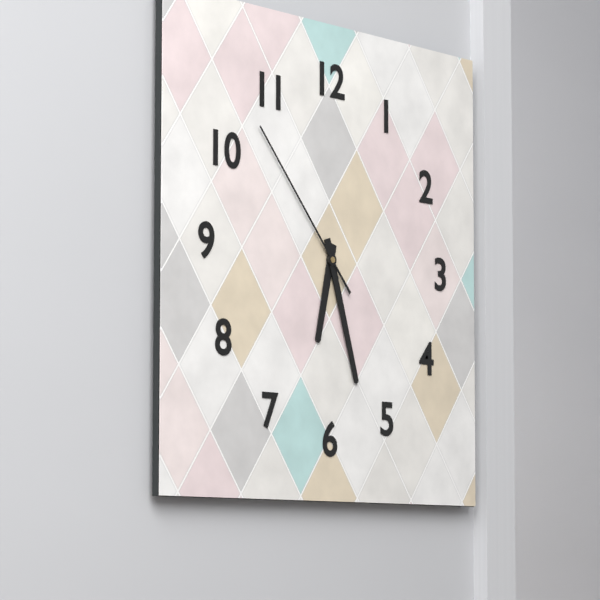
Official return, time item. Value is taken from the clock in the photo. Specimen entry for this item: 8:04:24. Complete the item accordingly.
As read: 6:27:53
